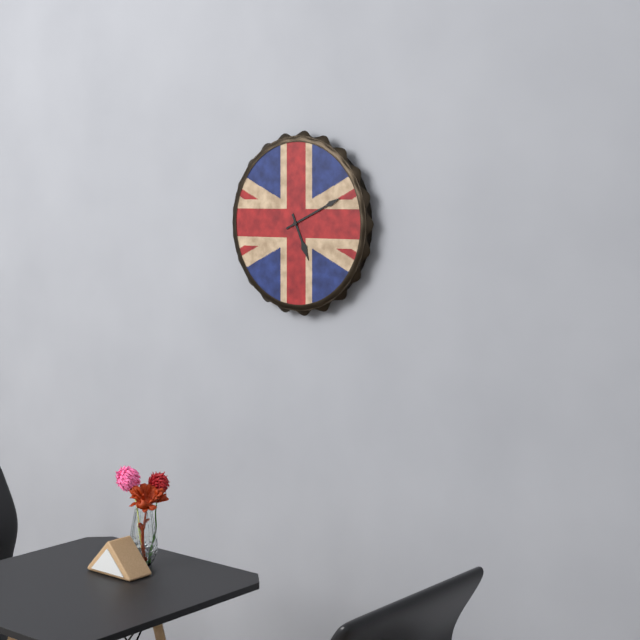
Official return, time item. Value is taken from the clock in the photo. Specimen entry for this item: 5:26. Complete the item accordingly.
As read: 5:11
